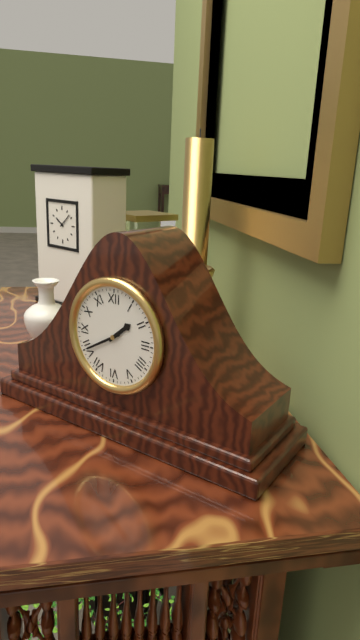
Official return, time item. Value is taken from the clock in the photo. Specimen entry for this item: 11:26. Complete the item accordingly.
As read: 1:40
